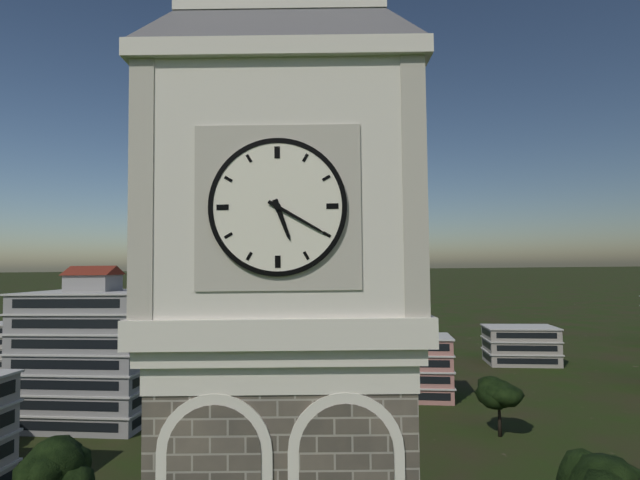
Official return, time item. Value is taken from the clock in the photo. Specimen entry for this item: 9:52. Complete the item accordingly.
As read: 5:20
